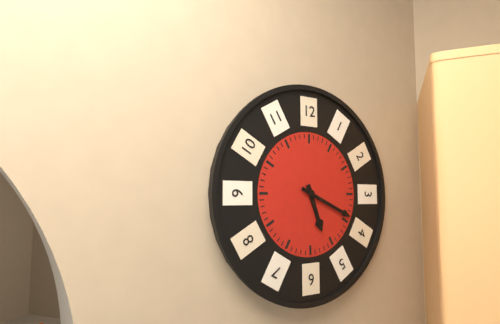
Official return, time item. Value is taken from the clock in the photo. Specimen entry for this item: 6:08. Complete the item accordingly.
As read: 5:19
